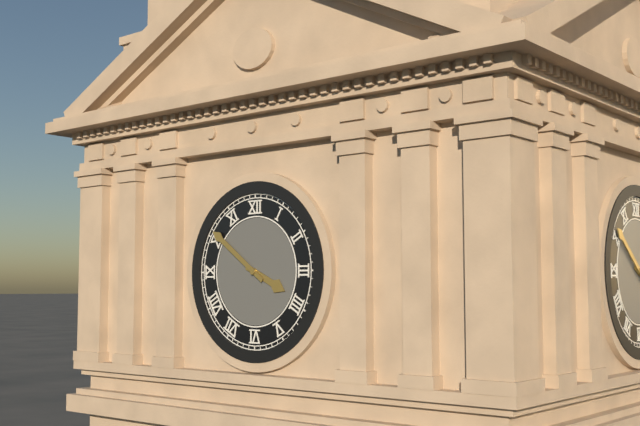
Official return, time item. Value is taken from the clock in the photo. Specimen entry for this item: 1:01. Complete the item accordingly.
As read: 3:51
